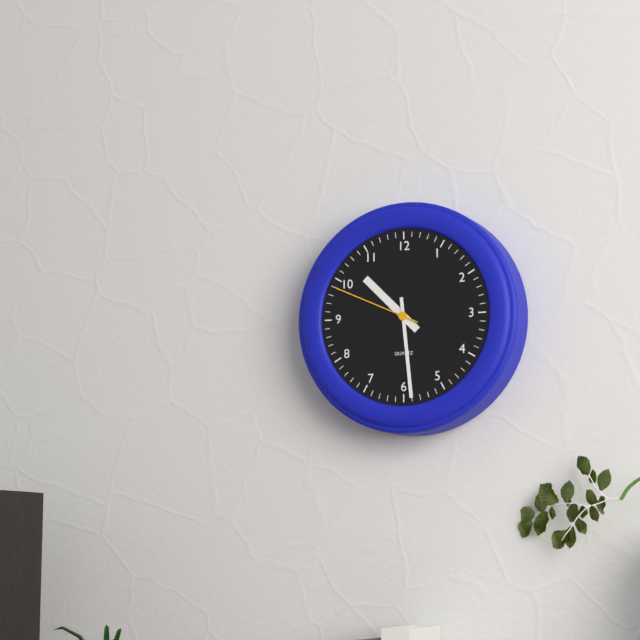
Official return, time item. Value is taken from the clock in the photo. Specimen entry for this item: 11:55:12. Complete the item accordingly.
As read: 10:29:49
